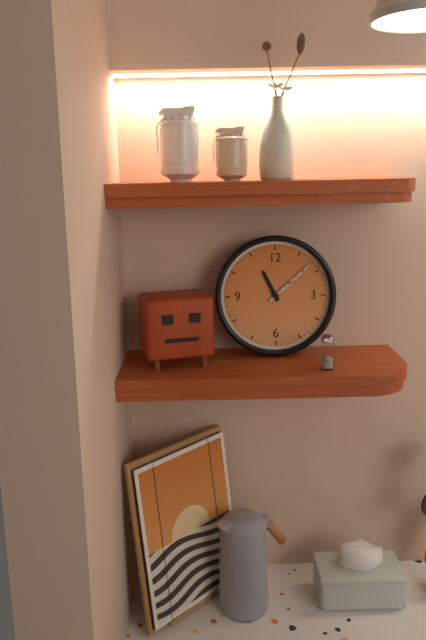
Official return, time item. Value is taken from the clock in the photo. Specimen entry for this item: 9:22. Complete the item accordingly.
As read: 11:08
